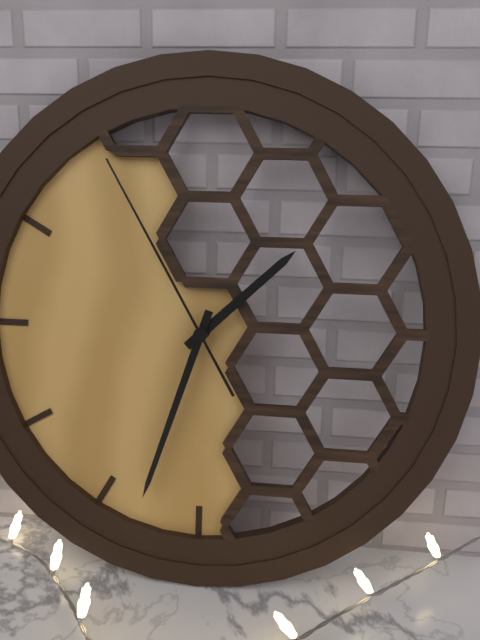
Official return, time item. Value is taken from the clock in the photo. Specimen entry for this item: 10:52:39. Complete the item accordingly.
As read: 1:33:55
